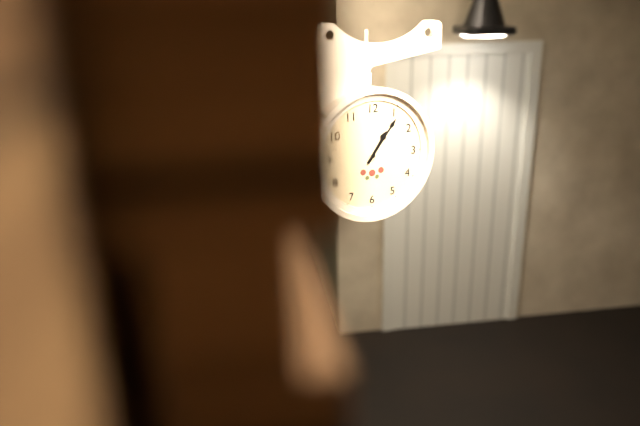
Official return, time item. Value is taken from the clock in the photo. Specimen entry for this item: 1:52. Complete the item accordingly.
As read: 1:06
